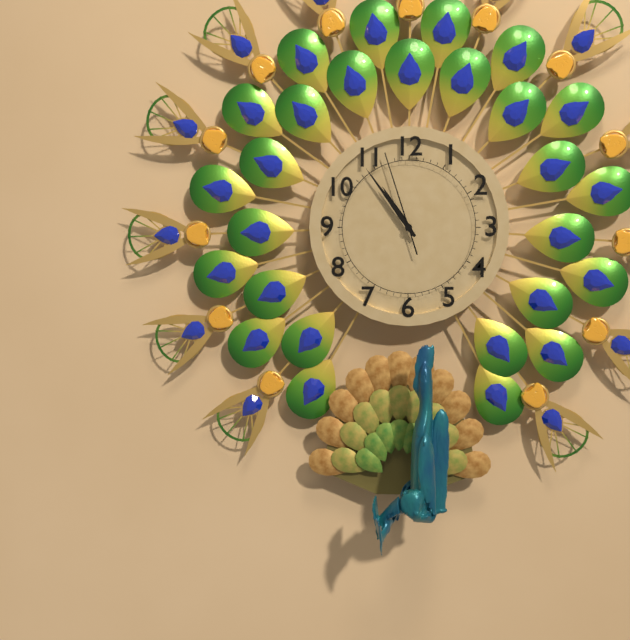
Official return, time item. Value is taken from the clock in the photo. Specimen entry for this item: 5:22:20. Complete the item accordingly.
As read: 10:54:57
